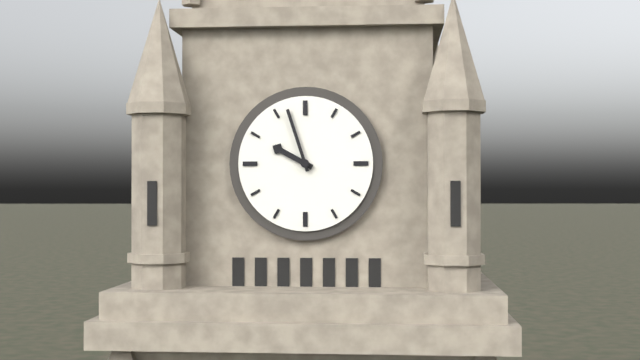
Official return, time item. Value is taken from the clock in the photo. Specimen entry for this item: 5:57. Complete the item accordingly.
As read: 9:57
